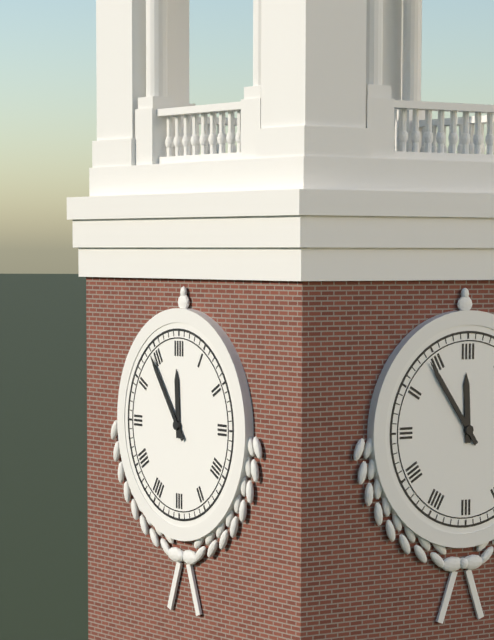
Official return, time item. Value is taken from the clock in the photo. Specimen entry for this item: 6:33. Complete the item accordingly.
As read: 11:54
